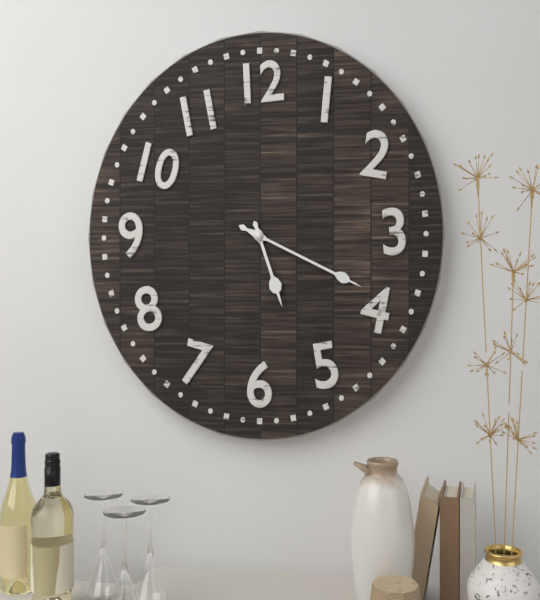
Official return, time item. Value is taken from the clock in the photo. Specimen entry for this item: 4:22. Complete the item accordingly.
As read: 5:19
